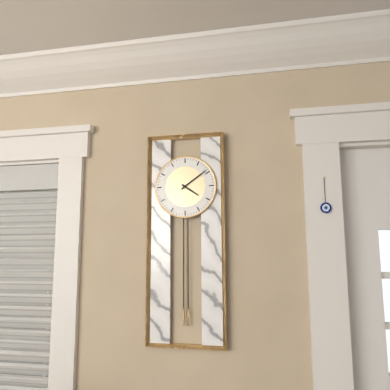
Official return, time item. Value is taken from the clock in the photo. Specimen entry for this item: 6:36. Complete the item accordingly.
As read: 4:09
